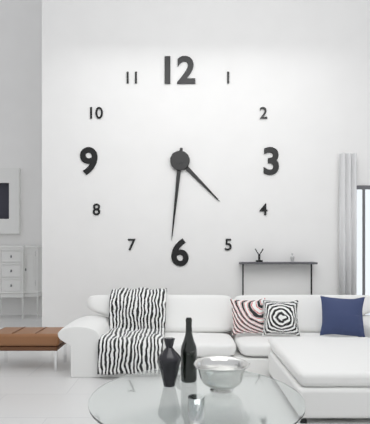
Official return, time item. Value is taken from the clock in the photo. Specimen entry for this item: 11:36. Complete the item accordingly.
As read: 4:31
